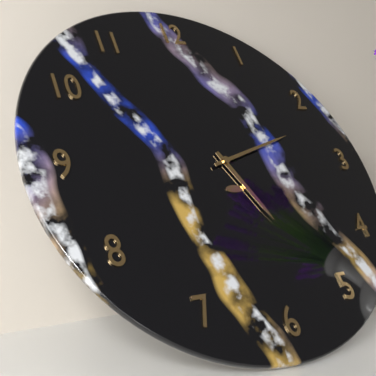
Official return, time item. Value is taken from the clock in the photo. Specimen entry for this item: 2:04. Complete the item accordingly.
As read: 5:12
